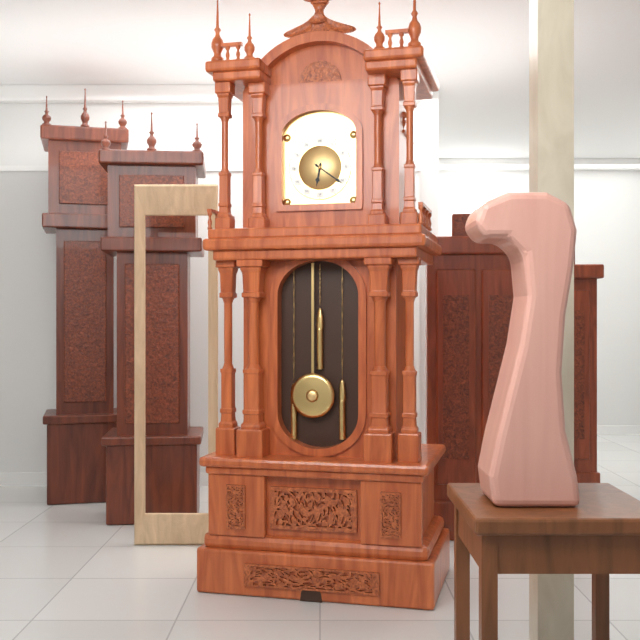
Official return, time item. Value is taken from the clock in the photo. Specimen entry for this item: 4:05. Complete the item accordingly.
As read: 6:21
